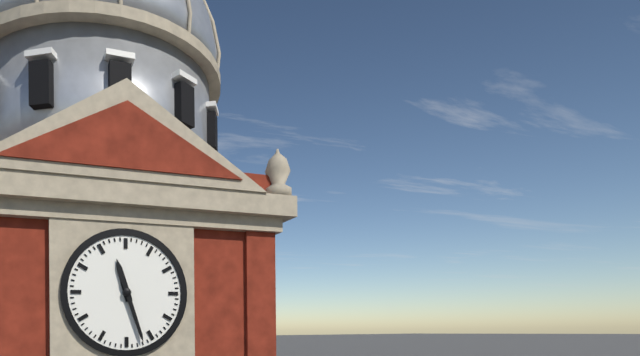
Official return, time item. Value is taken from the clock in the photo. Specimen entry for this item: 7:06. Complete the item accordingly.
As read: 11:27
